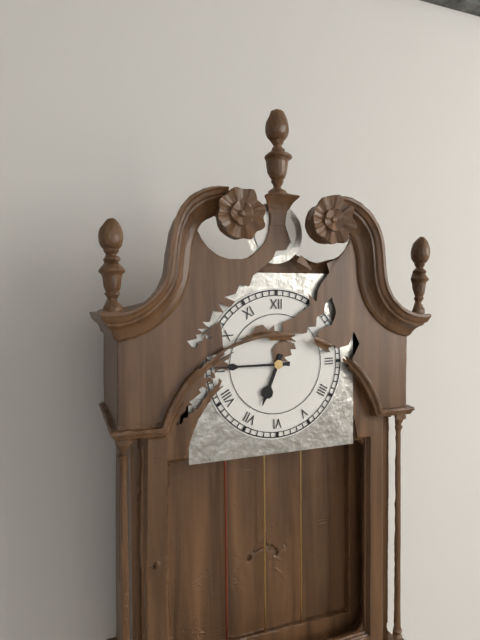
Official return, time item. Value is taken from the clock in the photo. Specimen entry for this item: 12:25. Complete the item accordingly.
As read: 6:45
